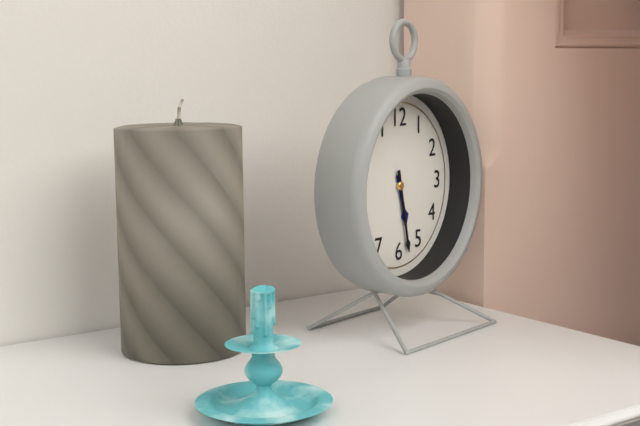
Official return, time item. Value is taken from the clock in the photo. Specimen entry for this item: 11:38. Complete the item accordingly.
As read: 5:28
